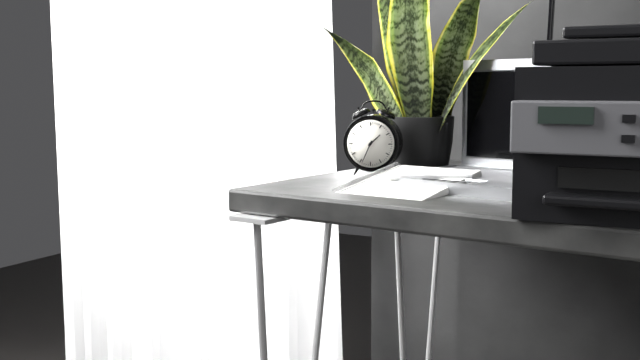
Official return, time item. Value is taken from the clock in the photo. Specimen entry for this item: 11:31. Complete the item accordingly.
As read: 1:34
